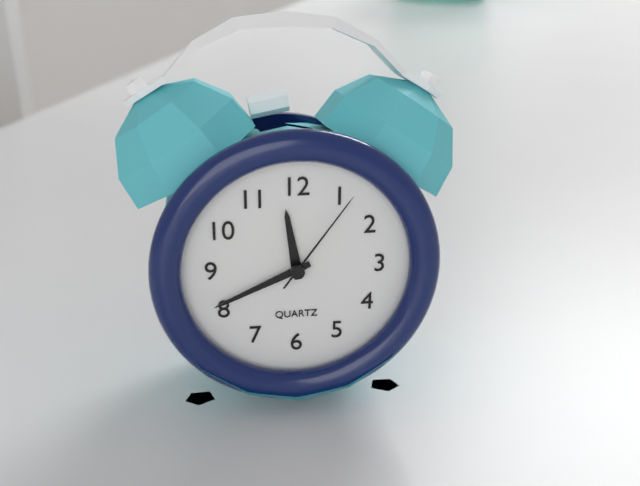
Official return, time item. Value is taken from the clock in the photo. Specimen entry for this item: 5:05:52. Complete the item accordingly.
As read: 11:41:06
